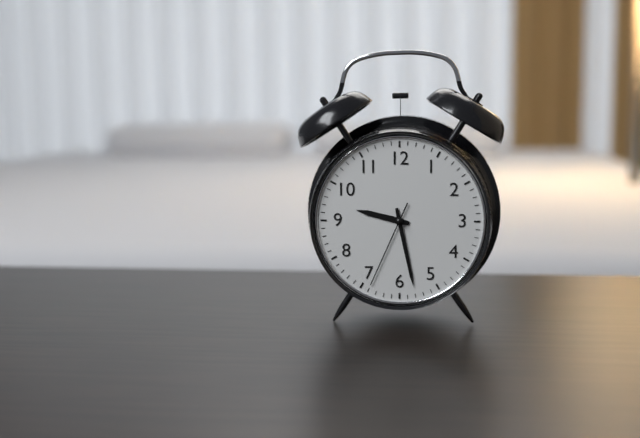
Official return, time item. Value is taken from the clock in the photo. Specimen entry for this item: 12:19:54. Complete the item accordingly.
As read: 9:28:34
